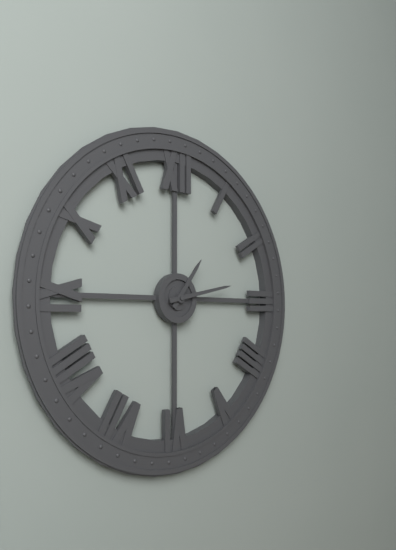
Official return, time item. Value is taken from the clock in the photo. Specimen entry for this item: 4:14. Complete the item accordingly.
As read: 1:13
